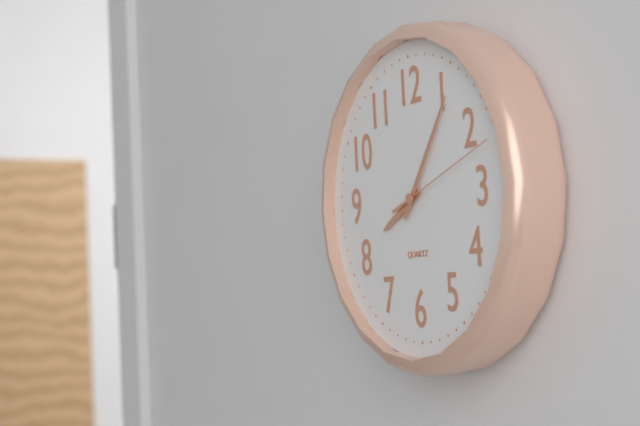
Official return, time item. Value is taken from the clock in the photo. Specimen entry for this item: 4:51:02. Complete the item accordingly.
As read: 8:06:12
